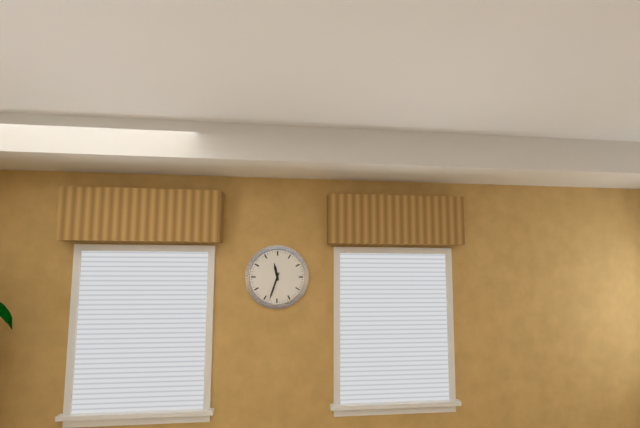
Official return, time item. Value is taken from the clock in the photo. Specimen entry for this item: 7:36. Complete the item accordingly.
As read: 11:33
